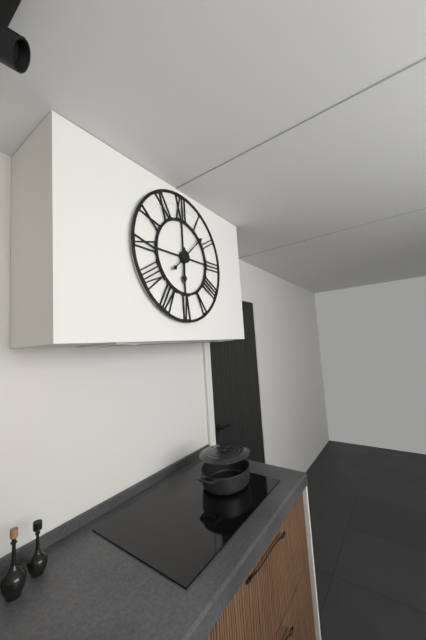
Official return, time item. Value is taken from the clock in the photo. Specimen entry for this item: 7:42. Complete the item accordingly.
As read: 6:08
